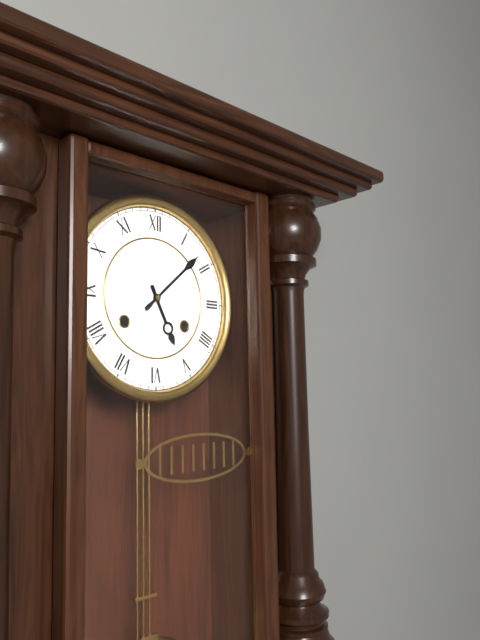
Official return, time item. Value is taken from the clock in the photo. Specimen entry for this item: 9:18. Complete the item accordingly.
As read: 5:08
